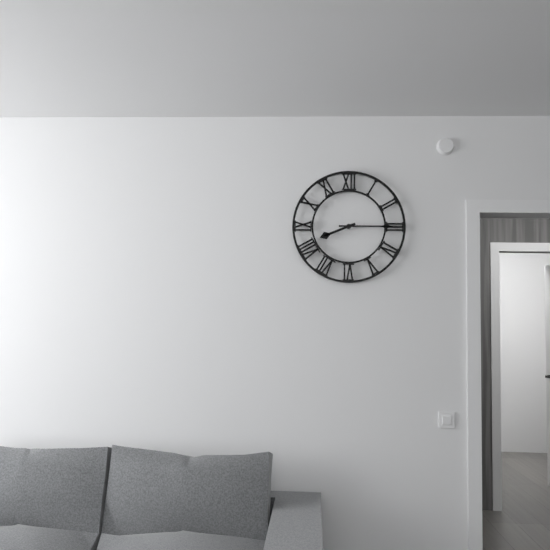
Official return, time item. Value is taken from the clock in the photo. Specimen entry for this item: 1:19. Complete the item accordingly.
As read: 8:15
